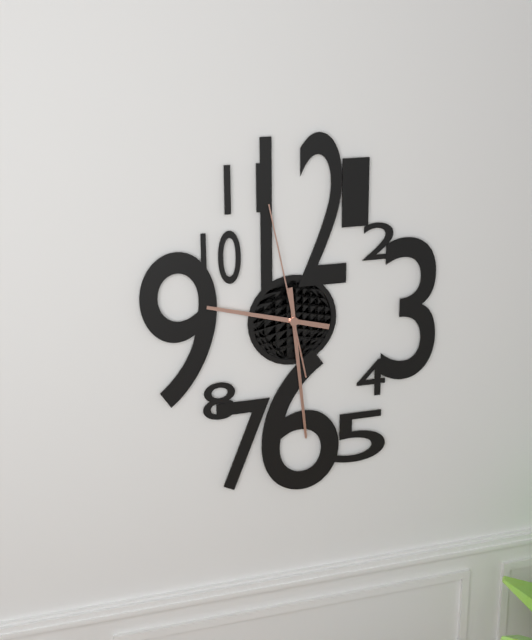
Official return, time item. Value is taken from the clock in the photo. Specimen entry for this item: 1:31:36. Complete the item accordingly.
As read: 9:29:58
